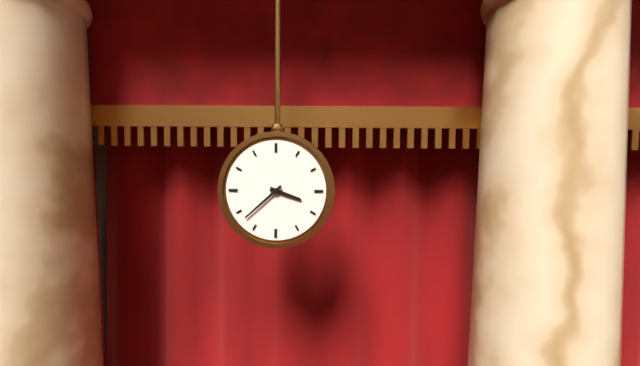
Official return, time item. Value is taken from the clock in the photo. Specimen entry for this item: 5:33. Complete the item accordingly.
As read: 3:38
